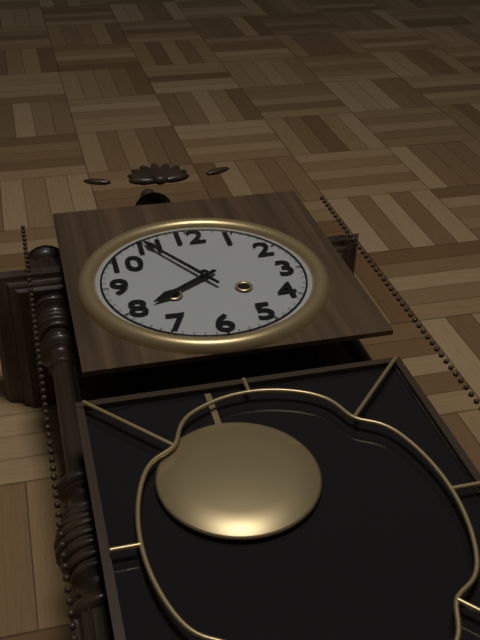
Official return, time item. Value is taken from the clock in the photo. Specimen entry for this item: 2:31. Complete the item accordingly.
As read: 7:55
